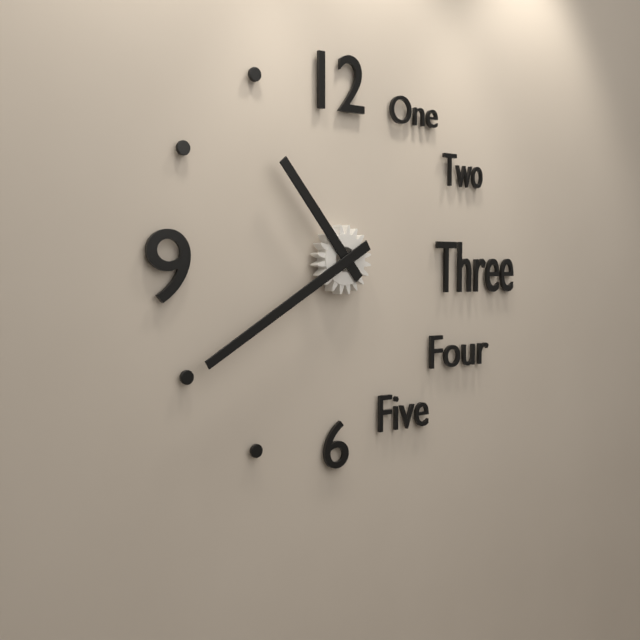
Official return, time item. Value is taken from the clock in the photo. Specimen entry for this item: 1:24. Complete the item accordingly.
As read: 10:40
